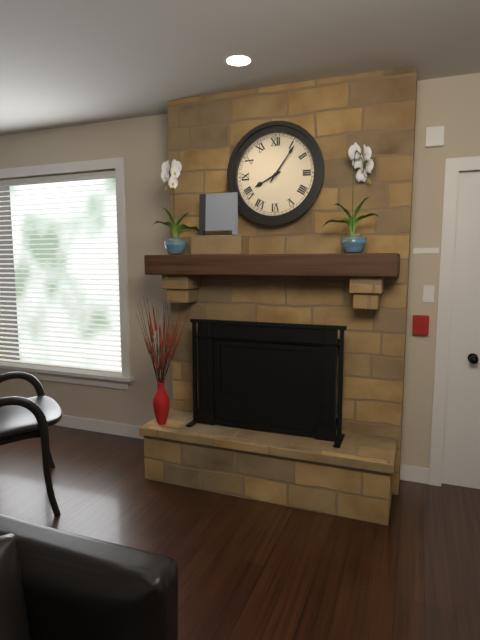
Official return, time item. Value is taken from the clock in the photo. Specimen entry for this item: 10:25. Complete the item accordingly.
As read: 8:06
